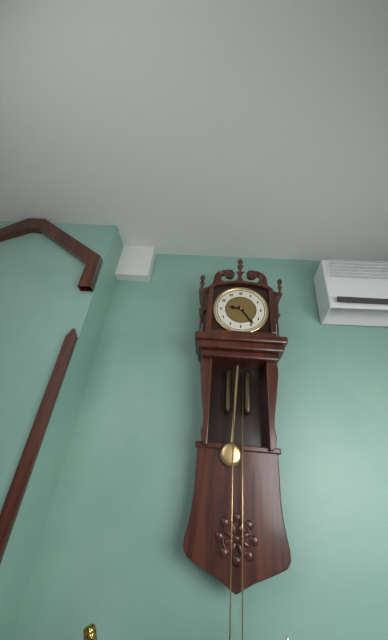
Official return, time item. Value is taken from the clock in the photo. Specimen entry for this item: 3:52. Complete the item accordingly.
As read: 9:24
